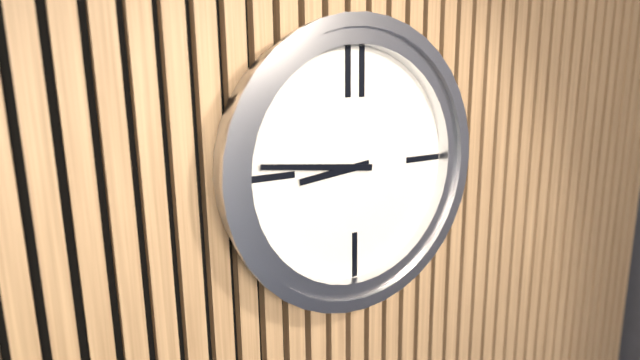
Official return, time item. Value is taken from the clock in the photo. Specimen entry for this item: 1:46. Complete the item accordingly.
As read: 8:46
